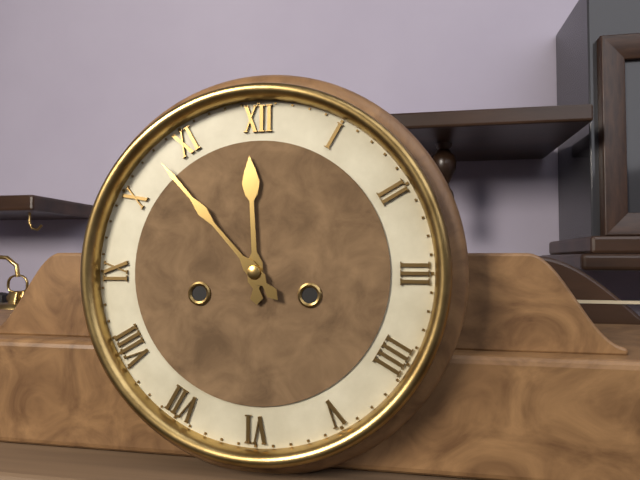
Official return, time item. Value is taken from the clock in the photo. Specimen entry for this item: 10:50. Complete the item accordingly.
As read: 11:53
